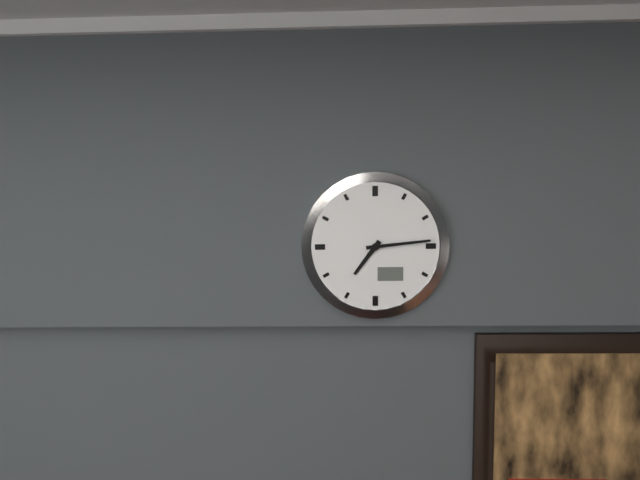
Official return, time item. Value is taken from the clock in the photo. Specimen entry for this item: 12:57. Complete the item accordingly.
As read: 7:14
